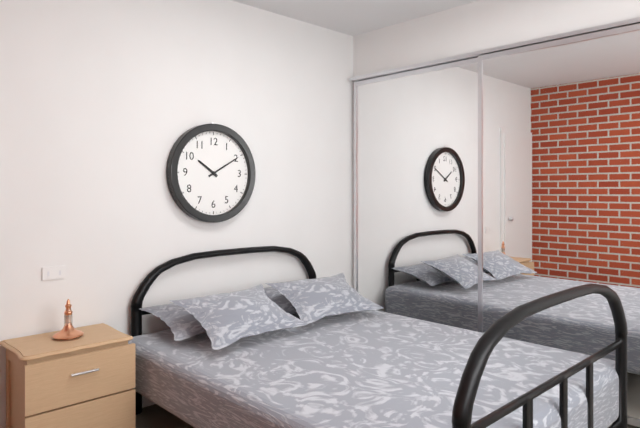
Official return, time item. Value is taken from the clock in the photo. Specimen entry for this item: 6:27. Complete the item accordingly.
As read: 10:10
